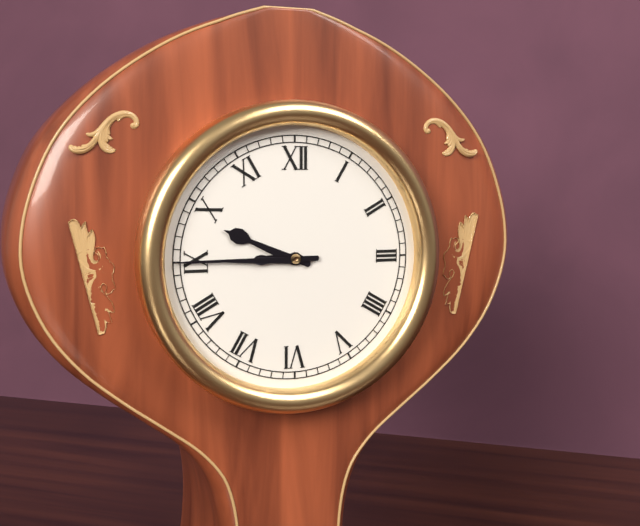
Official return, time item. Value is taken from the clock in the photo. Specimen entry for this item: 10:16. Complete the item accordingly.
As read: 9:45
